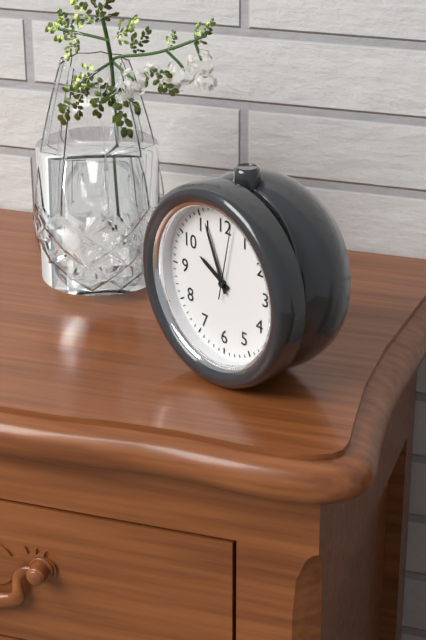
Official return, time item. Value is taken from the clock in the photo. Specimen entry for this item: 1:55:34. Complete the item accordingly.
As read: 9:56:02
